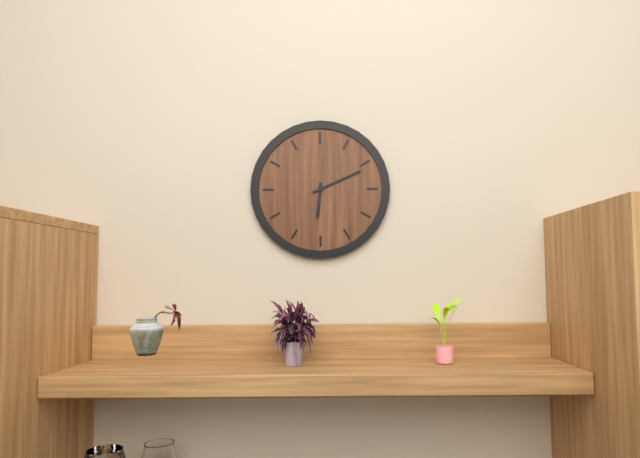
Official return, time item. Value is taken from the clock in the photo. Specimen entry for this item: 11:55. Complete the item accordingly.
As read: 6:11
